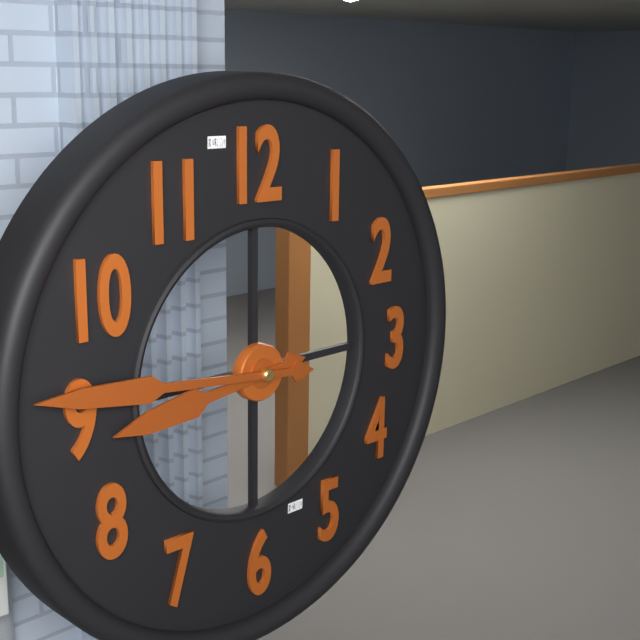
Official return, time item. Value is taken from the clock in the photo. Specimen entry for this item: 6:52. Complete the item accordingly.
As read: 8:46
